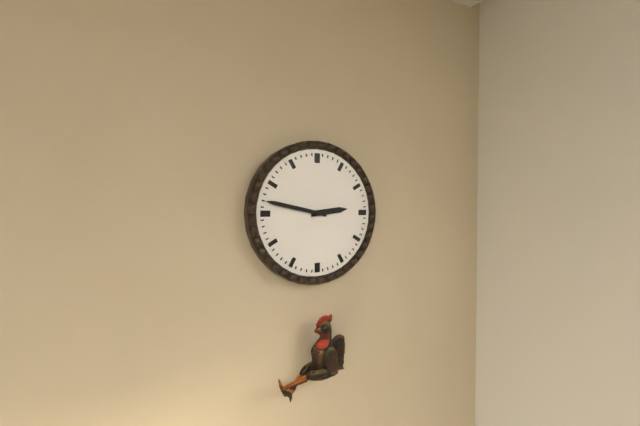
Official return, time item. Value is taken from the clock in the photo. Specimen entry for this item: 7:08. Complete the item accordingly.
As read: 2:47
